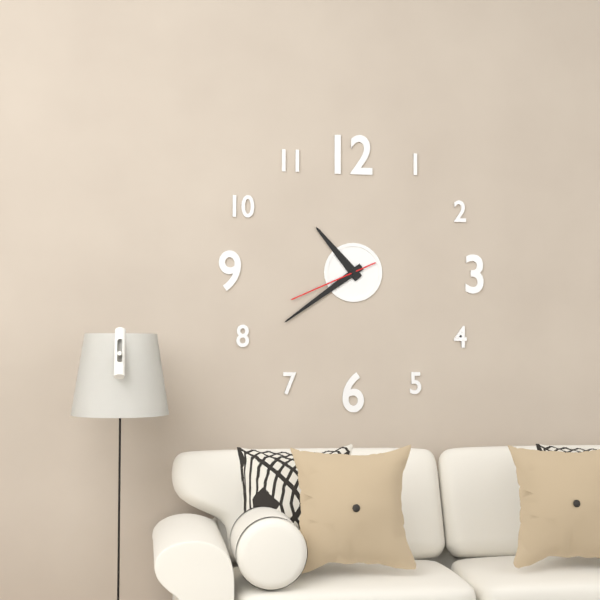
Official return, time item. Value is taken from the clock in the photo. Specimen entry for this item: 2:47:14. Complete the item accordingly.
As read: 10:39:41
